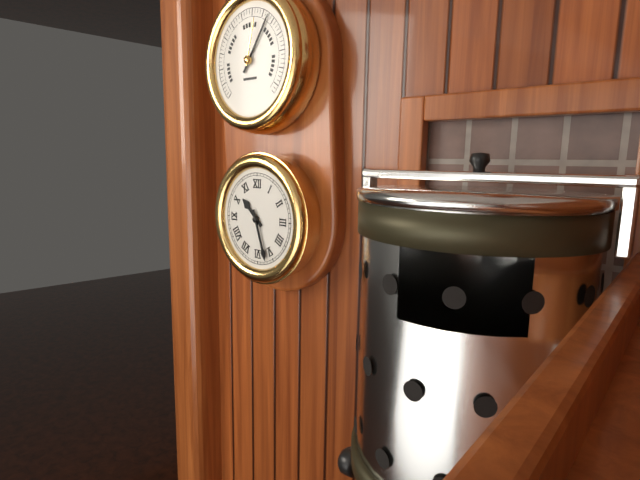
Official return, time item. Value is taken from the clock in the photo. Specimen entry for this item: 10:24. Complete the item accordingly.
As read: 10:27
